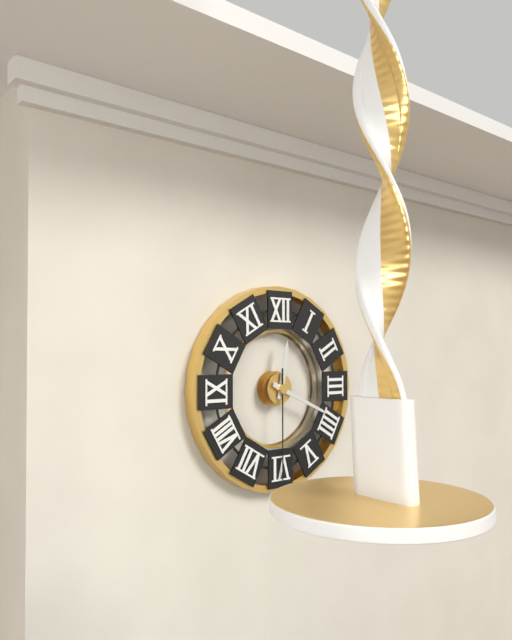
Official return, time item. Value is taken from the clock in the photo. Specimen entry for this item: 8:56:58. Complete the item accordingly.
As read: 12:19:30
